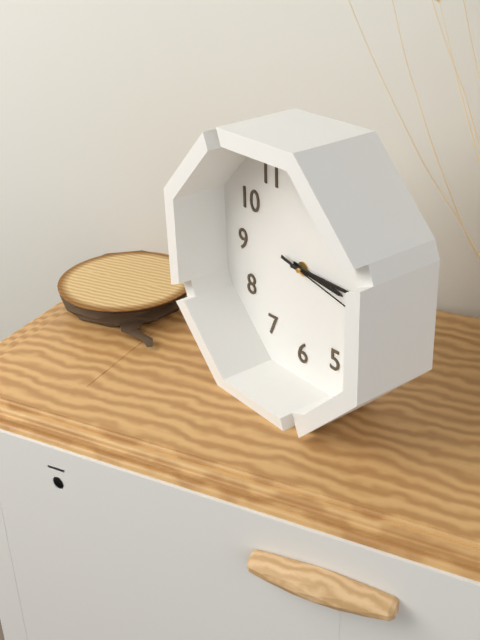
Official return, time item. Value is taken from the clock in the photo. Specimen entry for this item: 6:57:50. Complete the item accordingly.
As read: 3:15:17
